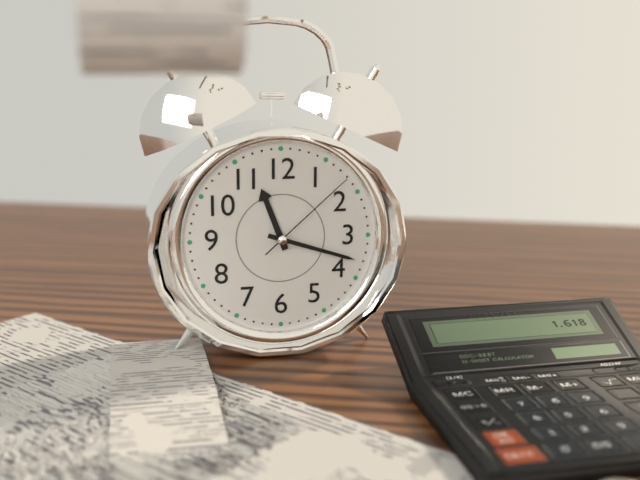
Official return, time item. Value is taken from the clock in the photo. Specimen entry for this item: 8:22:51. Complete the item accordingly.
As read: 11:18:08
